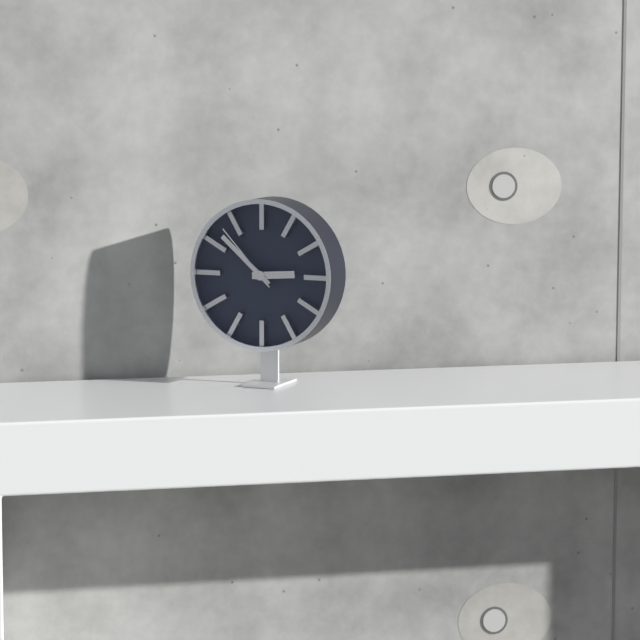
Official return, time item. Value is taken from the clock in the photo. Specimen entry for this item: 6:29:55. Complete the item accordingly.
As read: 2:52:53
